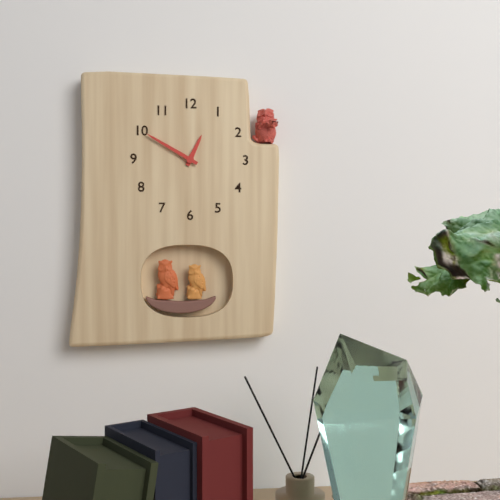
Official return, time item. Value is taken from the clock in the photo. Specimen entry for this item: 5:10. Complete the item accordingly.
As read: 12:50
